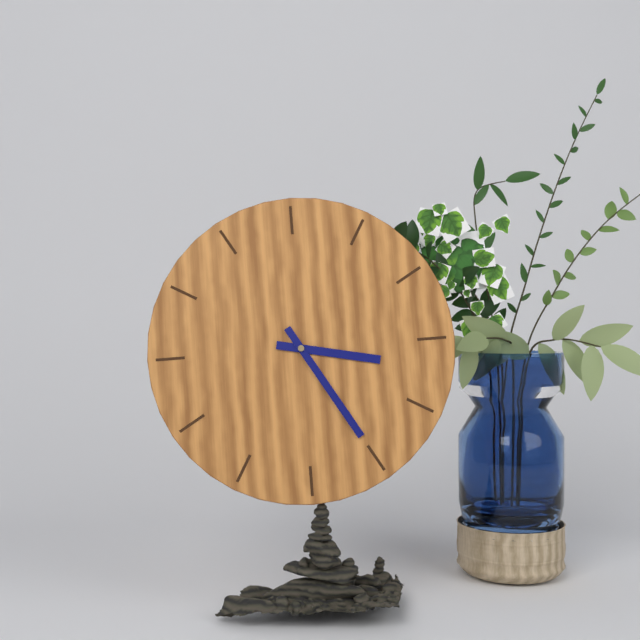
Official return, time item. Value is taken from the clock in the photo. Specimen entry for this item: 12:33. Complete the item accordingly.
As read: 3:25
